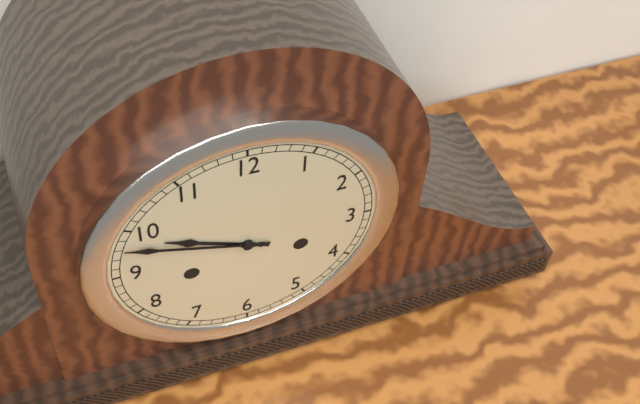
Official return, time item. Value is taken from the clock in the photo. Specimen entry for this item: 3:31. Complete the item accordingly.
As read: 9:48
